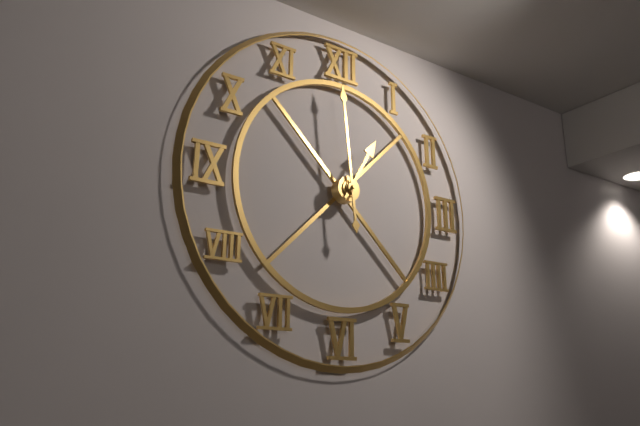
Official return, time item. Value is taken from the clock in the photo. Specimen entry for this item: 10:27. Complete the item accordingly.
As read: 12:59
